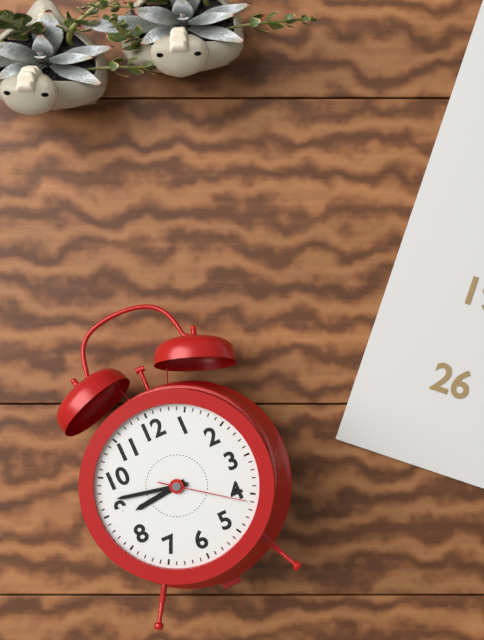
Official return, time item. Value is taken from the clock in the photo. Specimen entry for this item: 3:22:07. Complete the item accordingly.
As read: 8:47:21
